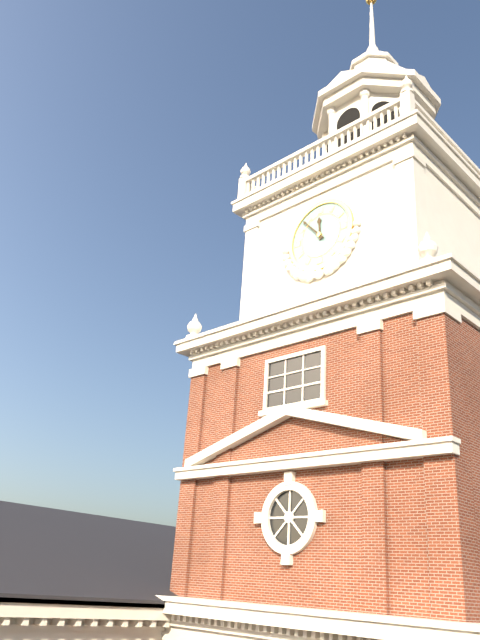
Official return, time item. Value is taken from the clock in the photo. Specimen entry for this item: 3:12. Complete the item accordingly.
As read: 11:53
